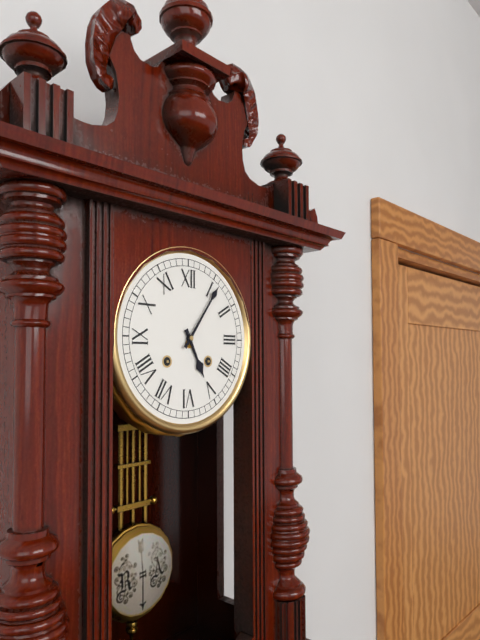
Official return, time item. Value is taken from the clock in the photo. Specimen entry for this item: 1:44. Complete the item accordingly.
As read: 5:06
